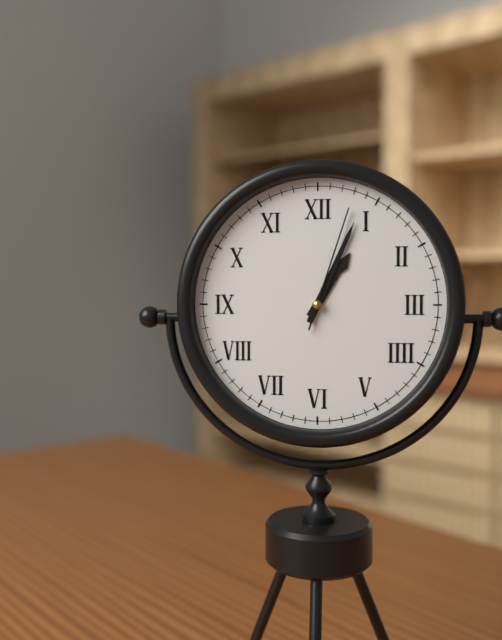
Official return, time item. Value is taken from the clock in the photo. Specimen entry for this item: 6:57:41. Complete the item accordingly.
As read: 1:04:03
